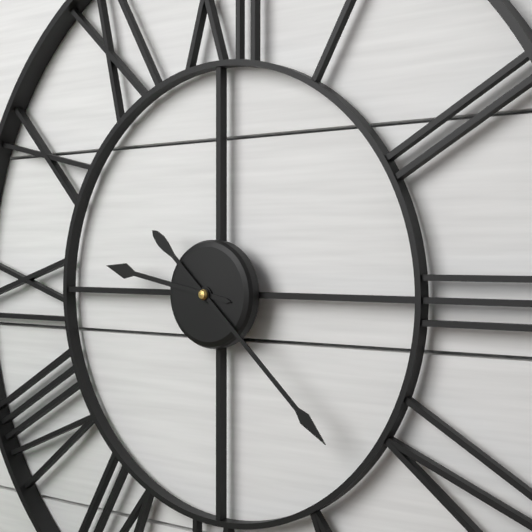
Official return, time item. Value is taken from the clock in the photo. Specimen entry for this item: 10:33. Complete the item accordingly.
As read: 9:22
